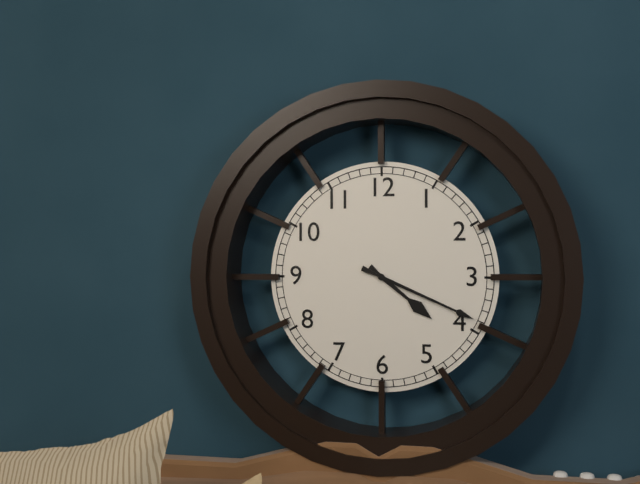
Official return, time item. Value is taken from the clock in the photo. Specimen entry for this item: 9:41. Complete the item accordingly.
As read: 4:19
